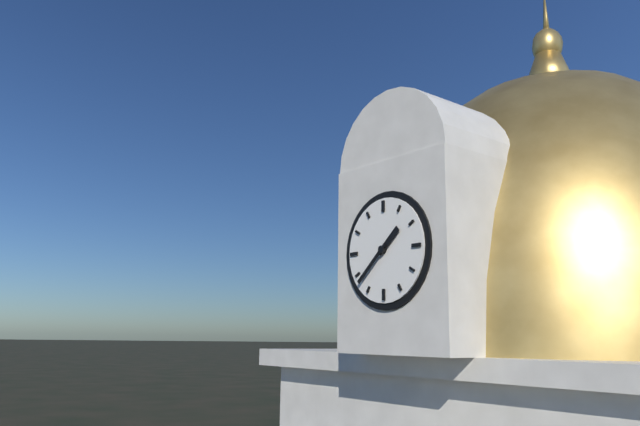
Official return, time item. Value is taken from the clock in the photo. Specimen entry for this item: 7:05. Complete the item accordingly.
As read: 1:38
